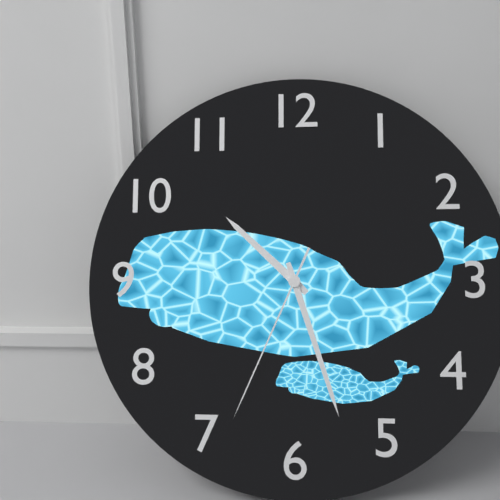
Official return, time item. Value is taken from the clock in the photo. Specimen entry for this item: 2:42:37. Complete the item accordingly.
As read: 10:27:34
